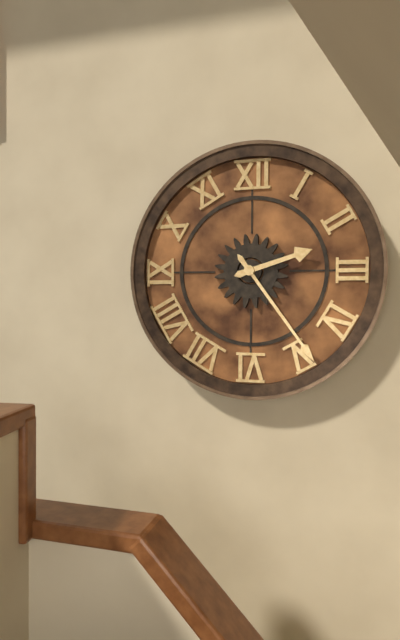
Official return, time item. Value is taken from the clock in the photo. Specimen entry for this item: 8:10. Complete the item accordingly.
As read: 2:24
